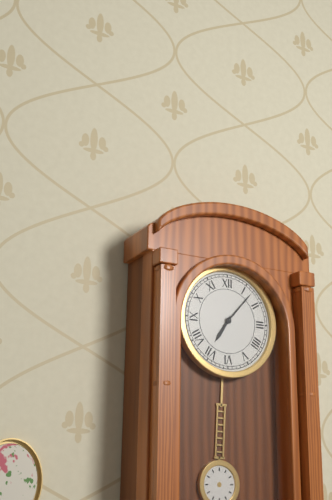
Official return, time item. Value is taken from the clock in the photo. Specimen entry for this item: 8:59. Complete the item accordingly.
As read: 7:07
